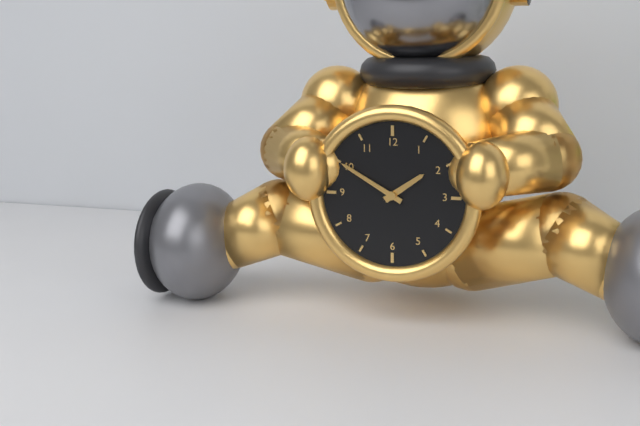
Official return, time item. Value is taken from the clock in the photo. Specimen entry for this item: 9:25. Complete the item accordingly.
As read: 1:50
